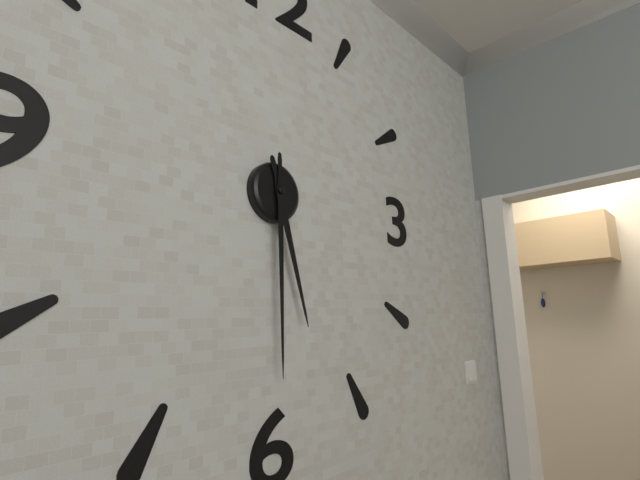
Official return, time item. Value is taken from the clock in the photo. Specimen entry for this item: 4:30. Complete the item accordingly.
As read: 5:30
